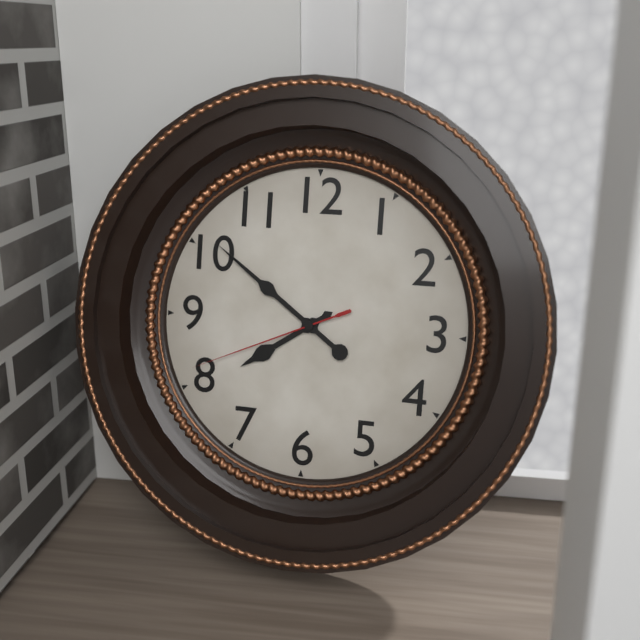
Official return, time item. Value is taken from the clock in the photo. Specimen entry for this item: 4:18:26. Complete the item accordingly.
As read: 7:51:41
